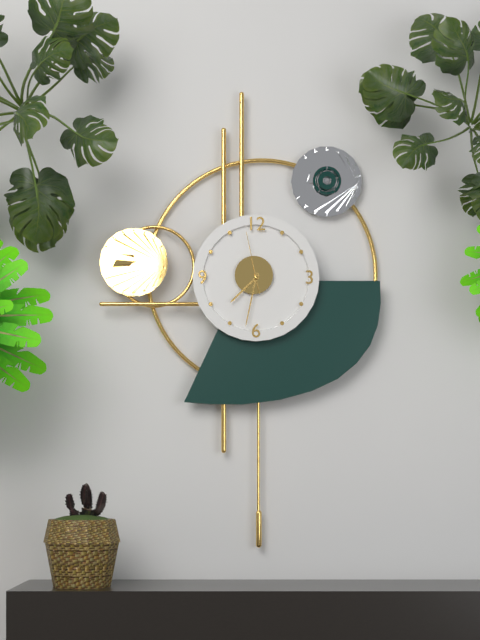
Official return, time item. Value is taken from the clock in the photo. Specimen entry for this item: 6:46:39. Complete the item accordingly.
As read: 7:32:58
